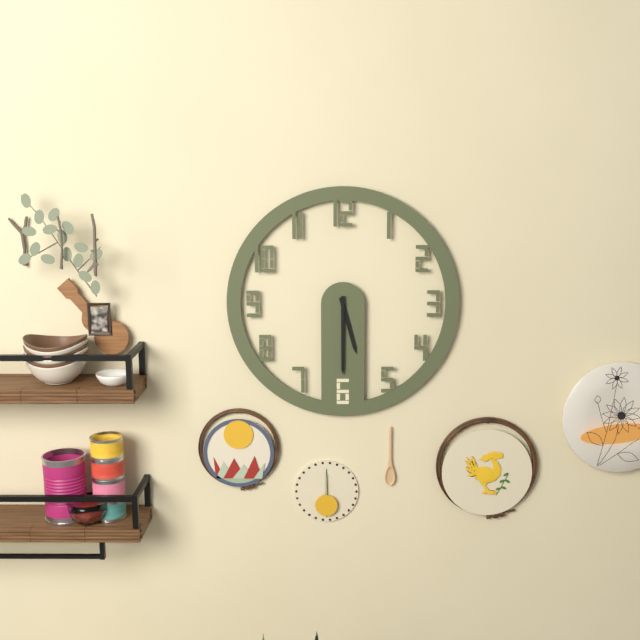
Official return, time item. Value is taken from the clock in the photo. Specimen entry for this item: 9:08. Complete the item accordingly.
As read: 5:30
